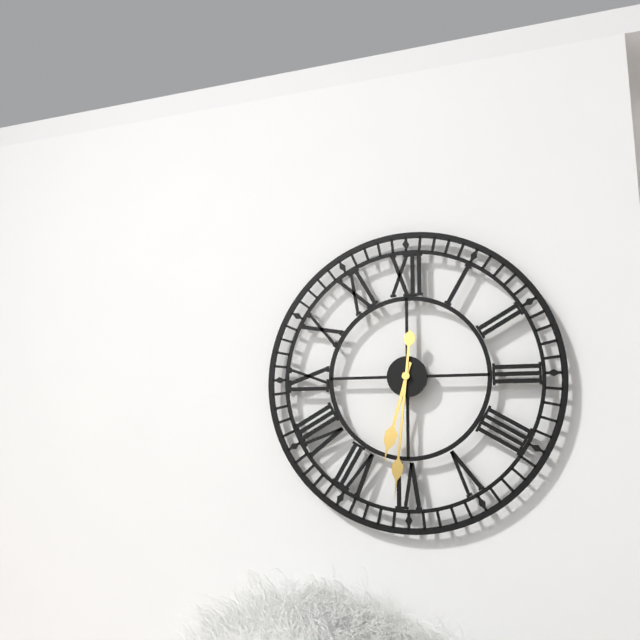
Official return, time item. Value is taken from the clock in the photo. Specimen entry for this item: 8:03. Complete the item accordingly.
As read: 6:31
